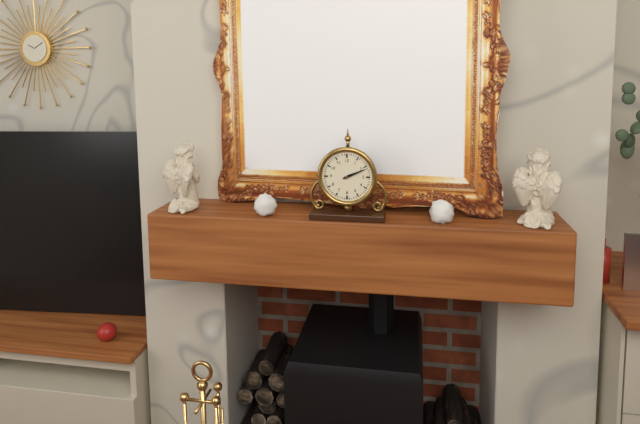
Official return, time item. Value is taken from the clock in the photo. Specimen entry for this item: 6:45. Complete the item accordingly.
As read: 2:11
